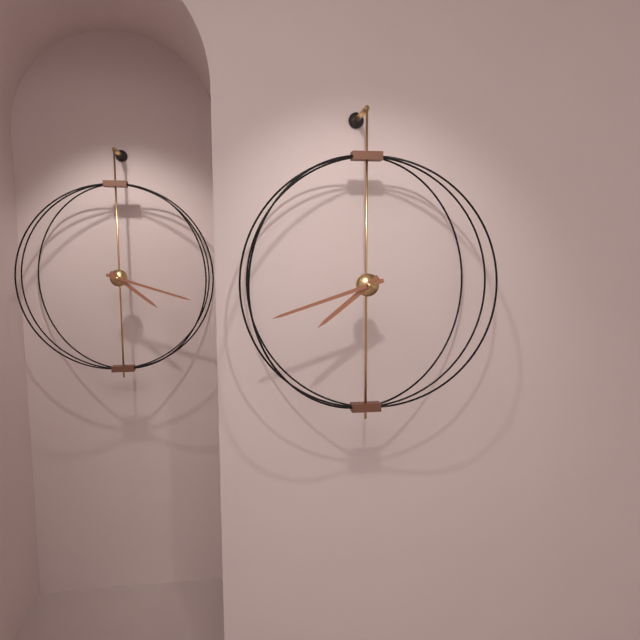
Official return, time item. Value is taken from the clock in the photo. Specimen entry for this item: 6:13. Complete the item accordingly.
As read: 7:42
